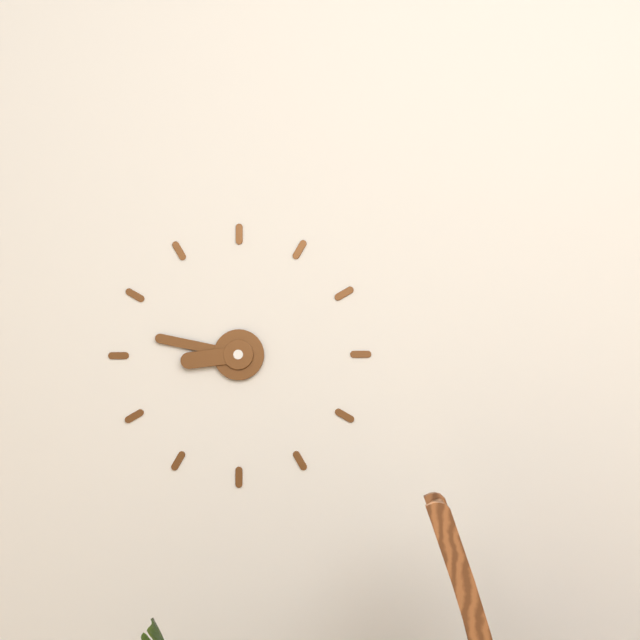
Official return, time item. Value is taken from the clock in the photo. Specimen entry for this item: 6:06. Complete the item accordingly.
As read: 8:47
